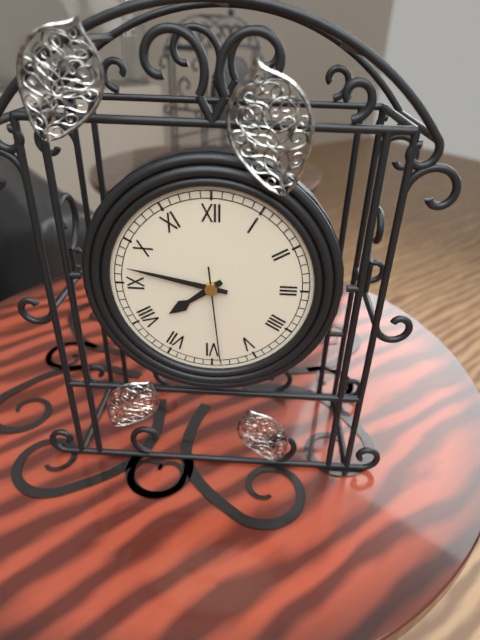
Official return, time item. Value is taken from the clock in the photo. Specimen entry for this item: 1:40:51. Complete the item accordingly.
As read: 7:47:29
